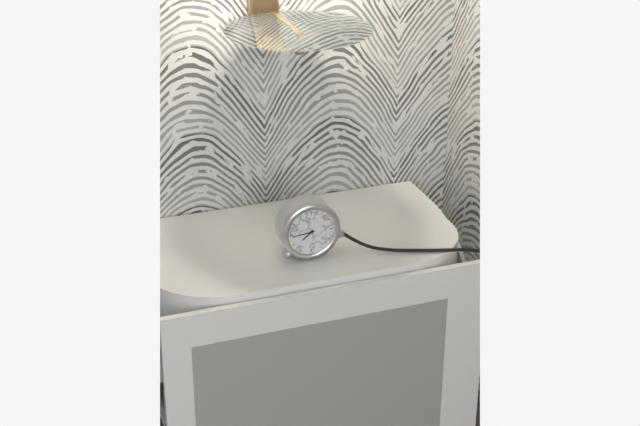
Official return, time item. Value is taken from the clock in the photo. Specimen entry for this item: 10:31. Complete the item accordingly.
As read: 7:44
